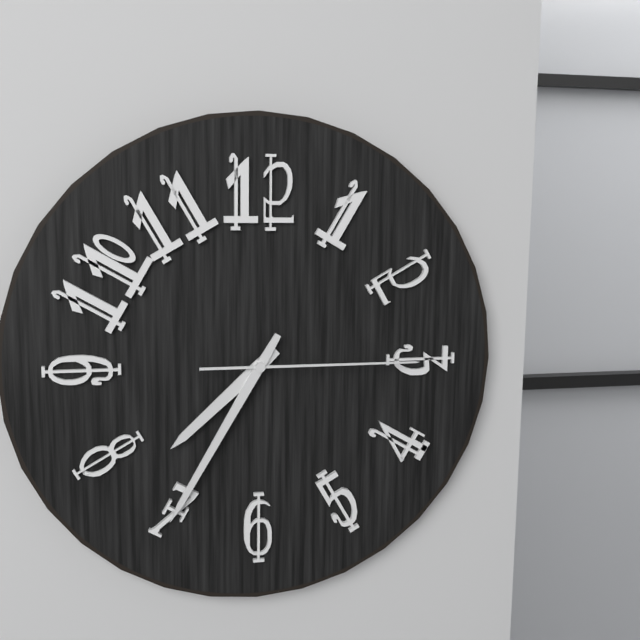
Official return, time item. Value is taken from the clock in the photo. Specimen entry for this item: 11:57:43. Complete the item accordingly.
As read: 7:35:15
